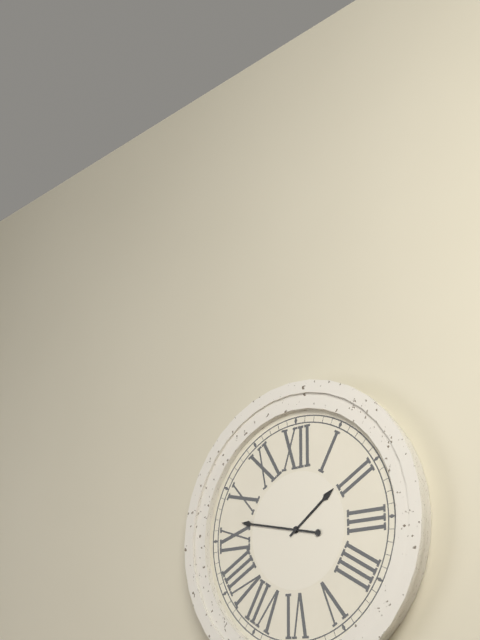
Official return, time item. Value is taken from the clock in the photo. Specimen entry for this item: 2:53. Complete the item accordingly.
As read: 1:47
